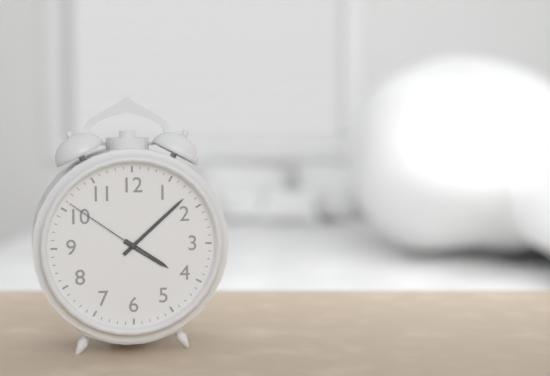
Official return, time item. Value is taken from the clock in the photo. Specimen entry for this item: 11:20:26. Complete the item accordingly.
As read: 4:08:51
